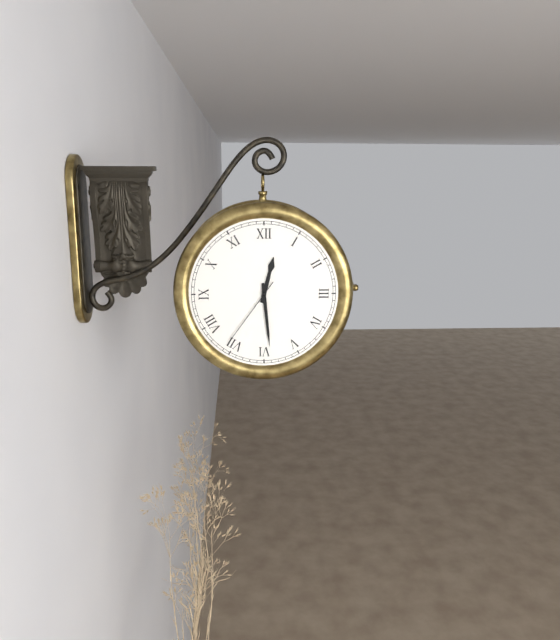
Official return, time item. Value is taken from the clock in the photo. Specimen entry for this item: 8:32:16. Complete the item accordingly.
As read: 12:29:36
